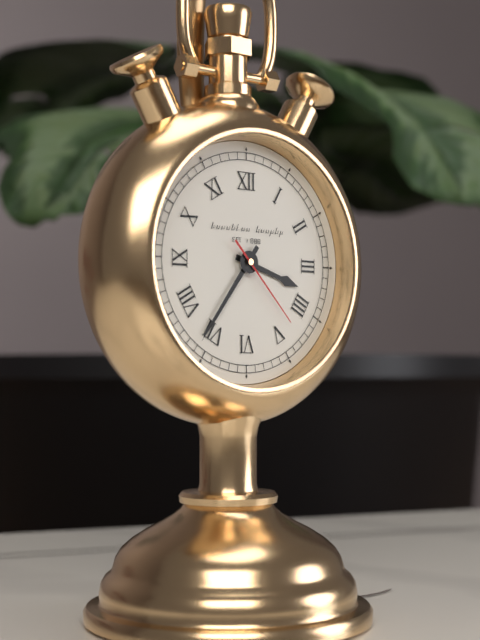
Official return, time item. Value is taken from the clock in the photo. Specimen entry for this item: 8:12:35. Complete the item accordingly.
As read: 3:36:23
